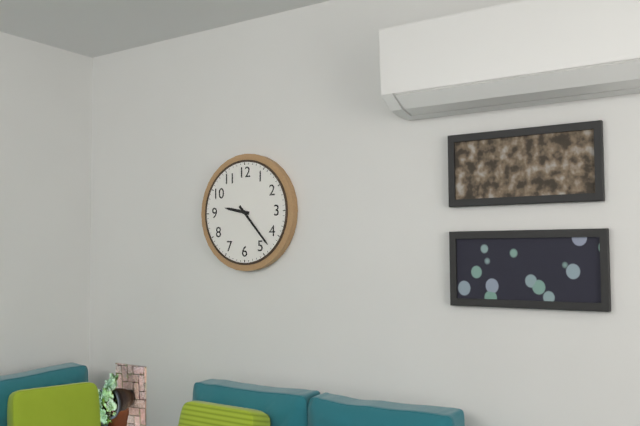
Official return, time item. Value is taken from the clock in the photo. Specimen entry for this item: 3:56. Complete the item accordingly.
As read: 9:23
